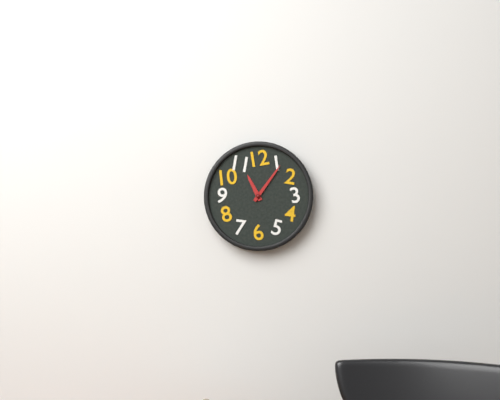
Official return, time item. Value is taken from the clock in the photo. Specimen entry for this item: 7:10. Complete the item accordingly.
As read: 11:06
